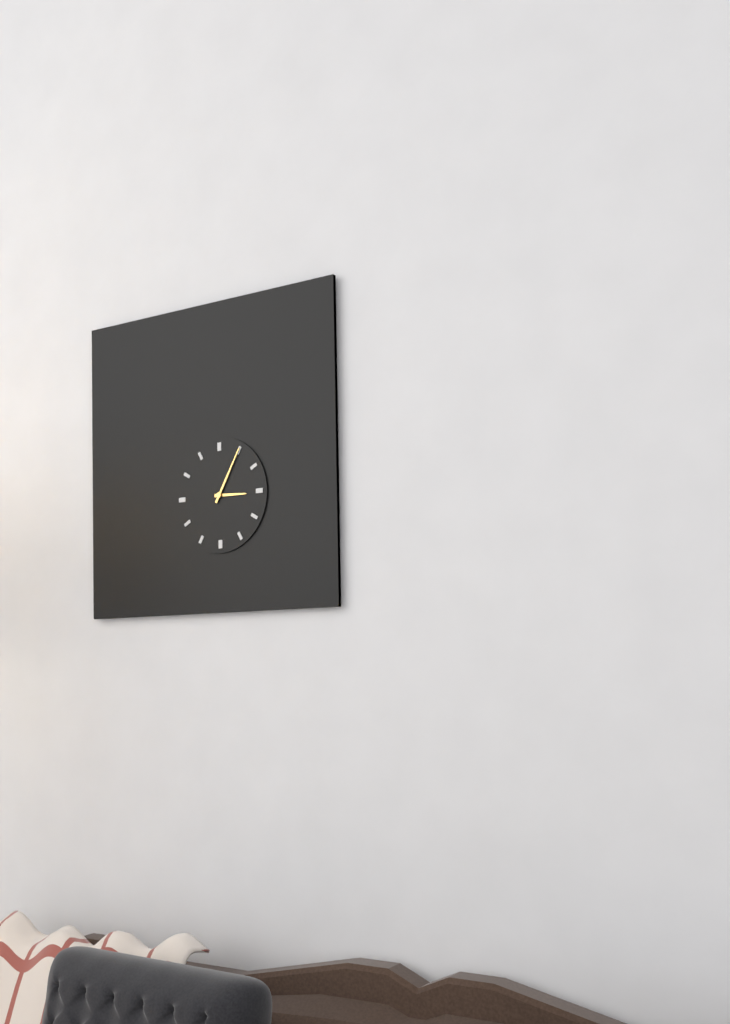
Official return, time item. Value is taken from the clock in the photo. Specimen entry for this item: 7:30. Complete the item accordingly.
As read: 3:05
